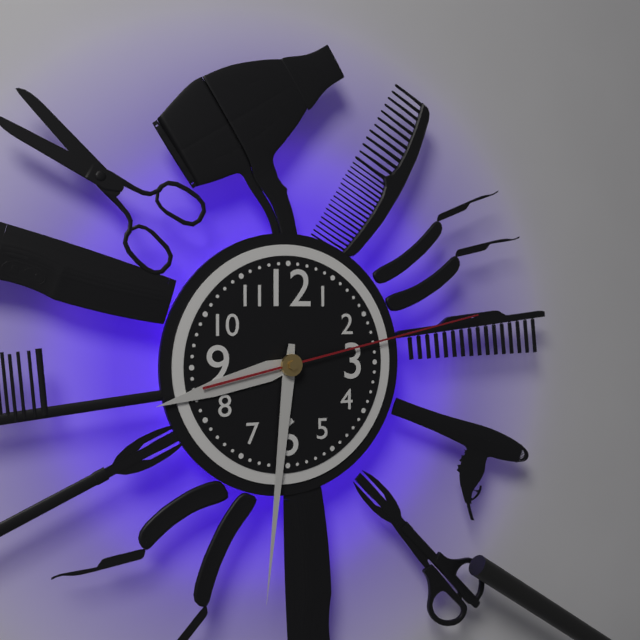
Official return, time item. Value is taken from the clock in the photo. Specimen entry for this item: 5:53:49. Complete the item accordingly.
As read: 8:31:13
